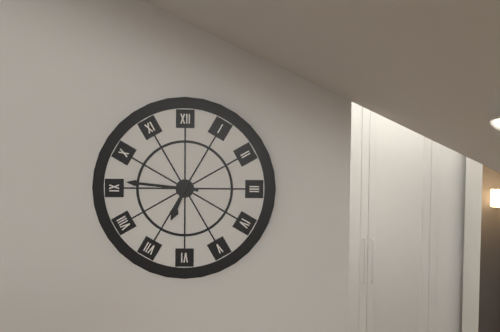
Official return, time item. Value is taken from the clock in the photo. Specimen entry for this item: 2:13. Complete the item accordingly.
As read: 6:46
